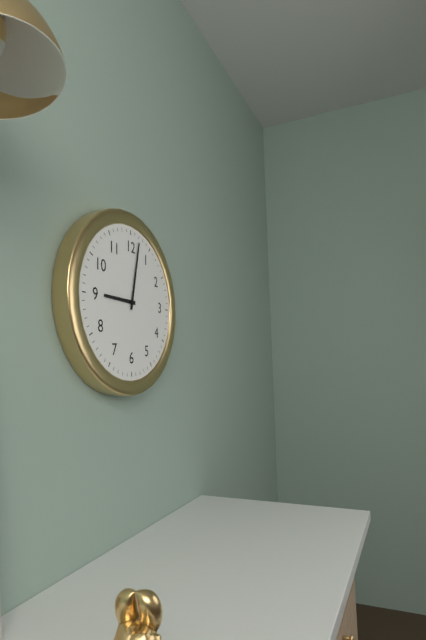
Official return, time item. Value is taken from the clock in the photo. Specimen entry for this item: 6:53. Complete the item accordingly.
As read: 9:02
